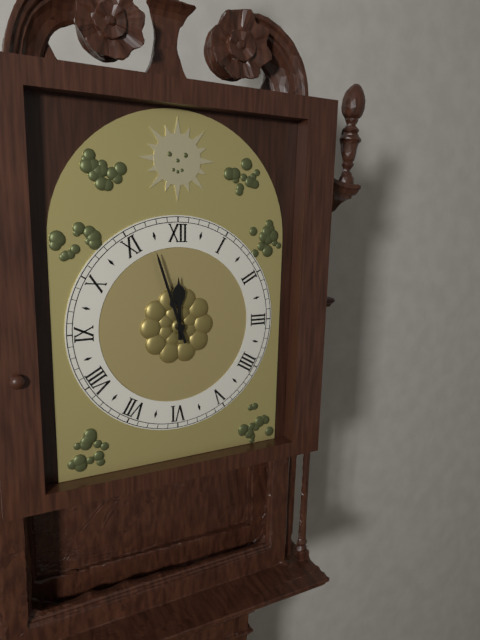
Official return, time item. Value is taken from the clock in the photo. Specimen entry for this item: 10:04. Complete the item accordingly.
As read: 11:57
